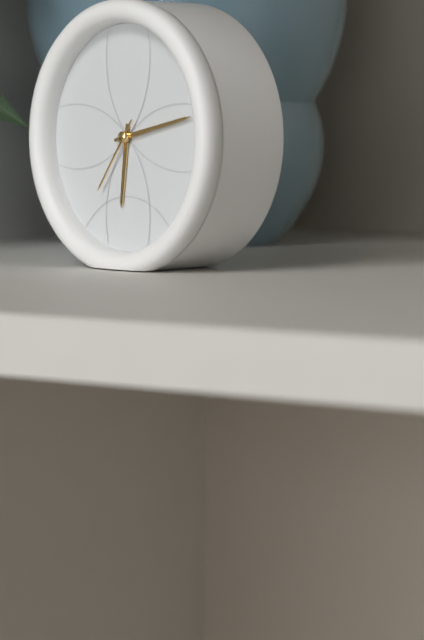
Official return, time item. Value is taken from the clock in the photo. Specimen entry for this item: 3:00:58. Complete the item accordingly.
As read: 6:13:36
